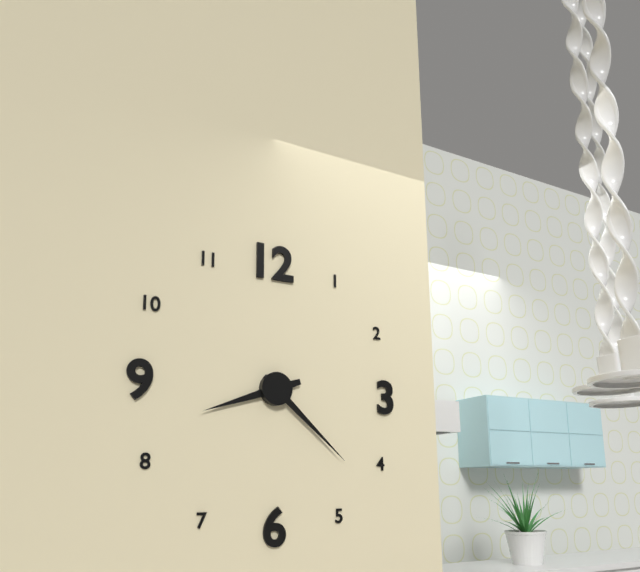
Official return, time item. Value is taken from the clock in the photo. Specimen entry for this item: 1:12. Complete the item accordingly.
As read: 8:22
